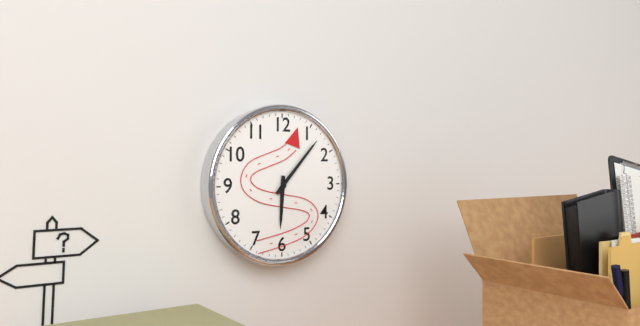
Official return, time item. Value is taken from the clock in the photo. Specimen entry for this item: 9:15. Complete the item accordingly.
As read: 6:07
